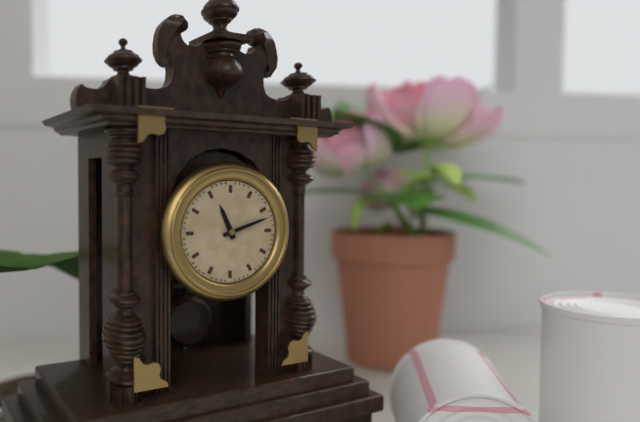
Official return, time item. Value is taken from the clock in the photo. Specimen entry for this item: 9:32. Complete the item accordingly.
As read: 11:12
